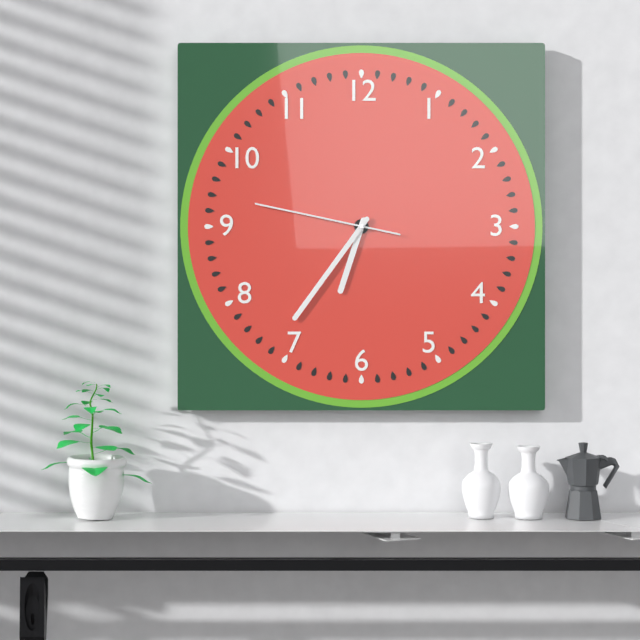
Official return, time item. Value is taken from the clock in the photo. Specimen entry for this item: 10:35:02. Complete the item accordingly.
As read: 6:36:47
